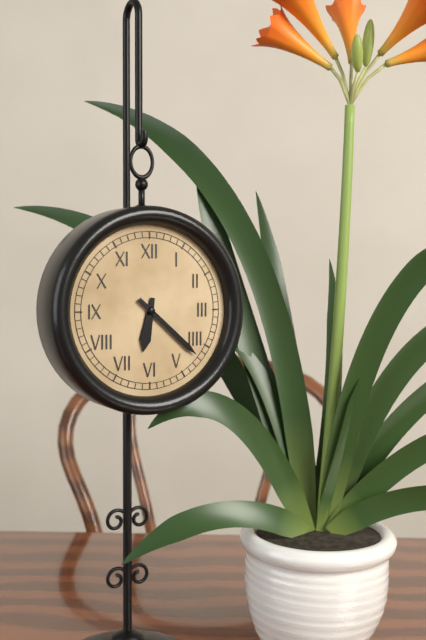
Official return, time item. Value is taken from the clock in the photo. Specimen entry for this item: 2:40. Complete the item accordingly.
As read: 6:22
